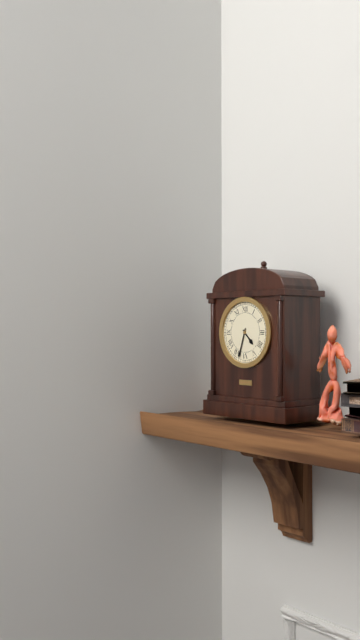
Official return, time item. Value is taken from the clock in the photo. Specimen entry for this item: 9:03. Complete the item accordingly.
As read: 4:33
